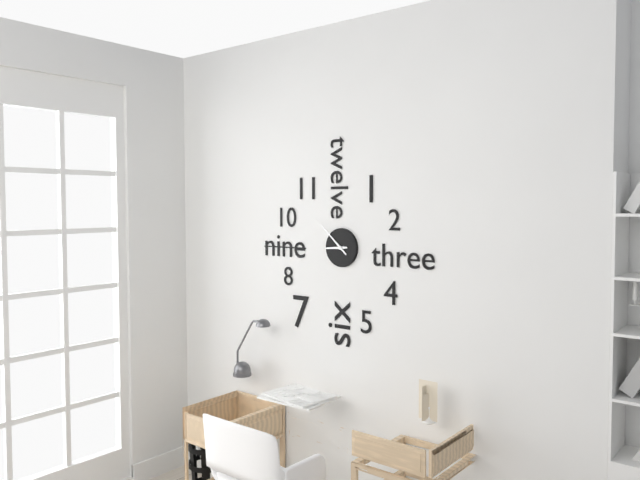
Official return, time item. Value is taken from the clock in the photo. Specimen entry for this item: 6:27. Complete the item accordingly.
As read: 8:52
